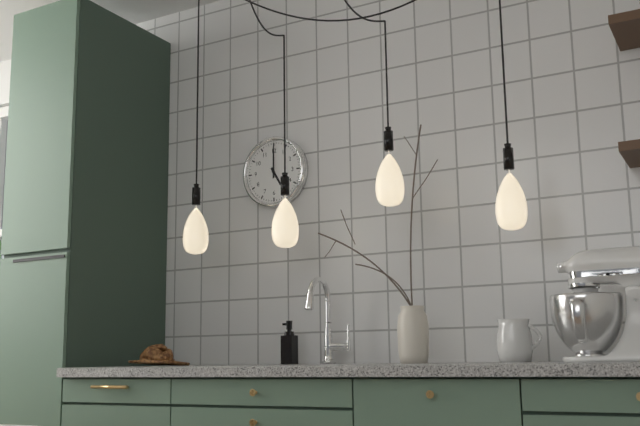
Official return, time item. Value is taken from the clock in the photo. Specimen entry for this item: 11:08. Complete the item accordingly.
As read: 5:00
